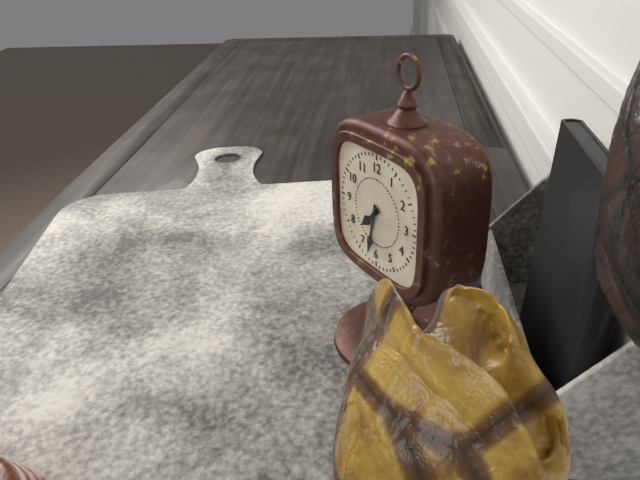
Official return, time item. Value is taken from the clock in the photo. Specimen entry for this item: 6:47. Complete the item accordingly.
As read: 7:32
